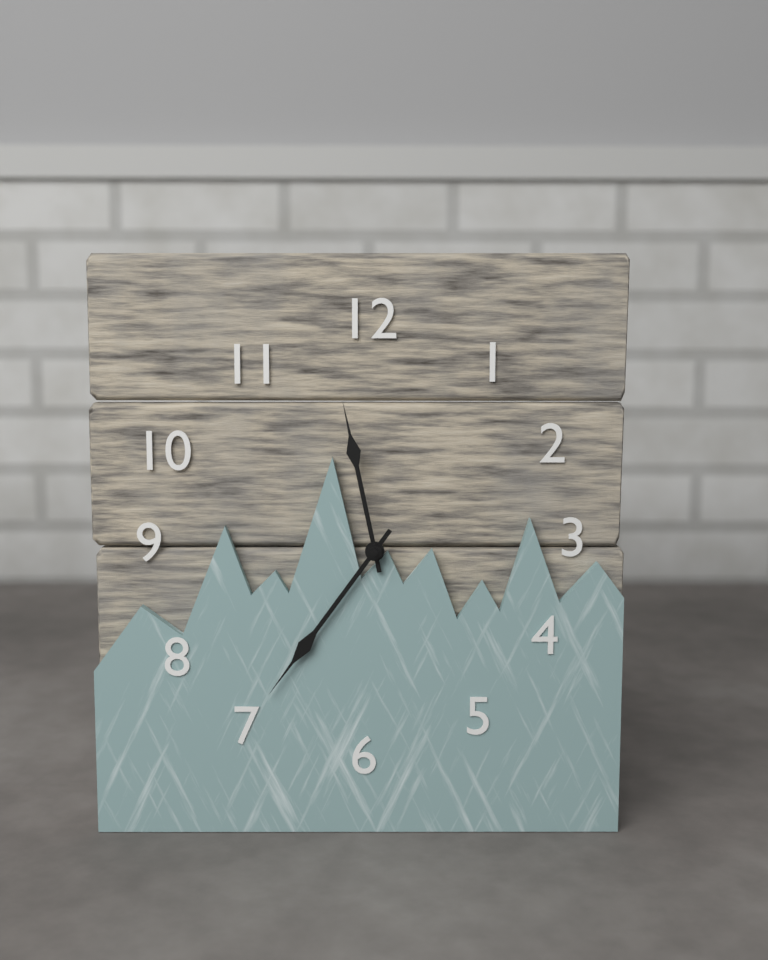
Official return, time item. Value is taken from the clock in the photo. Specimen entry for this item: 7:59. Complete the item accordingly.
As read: 11:36
